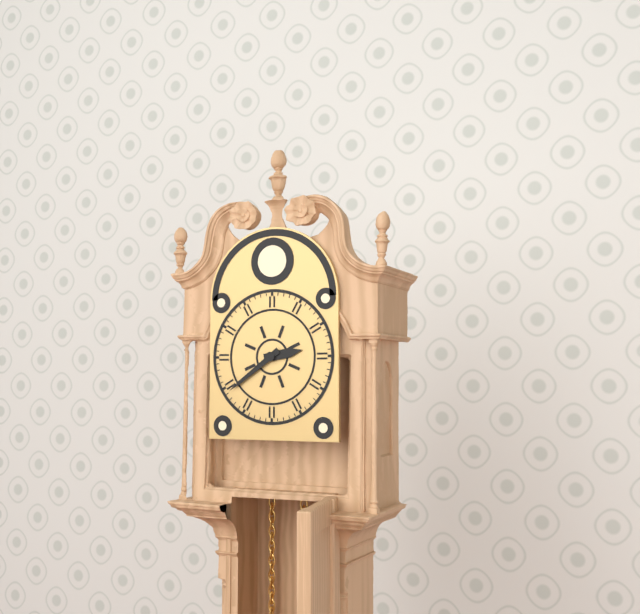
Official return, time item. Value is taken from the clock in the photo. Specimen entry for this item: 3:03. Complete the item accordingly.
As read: 2:39
